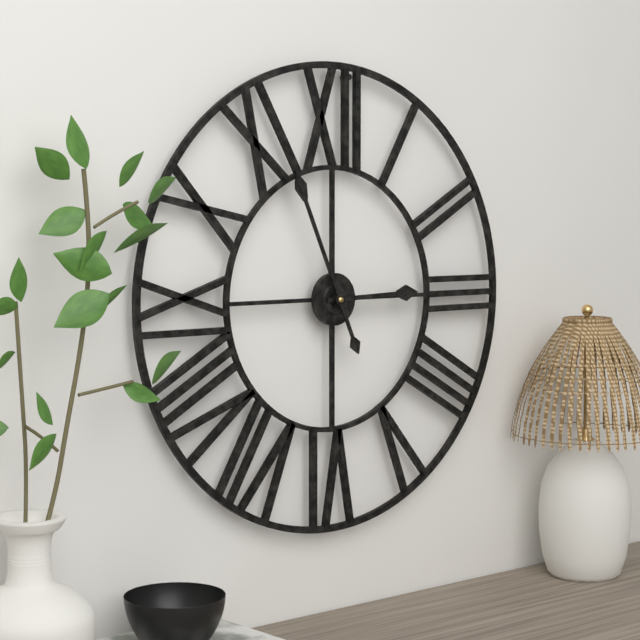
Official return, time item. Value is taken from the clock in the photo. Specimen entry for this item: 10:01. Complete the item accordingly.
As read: 2:56
